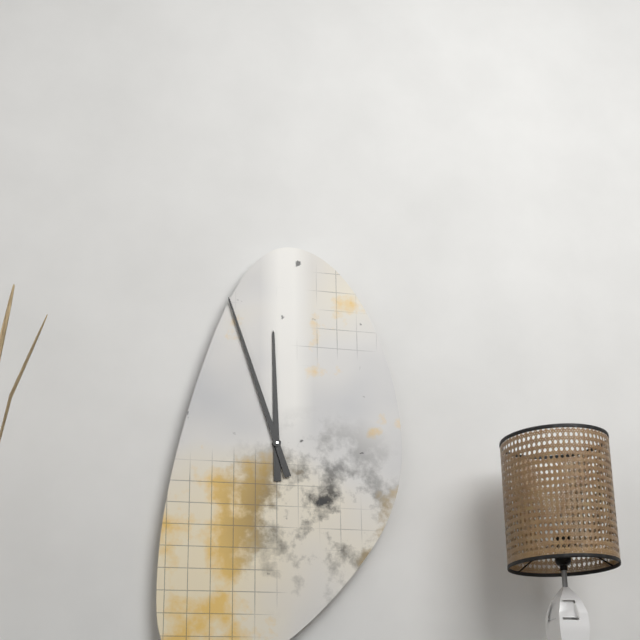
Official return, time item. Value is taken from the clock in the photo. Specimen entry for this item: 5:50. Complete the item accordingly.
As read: 11:57
